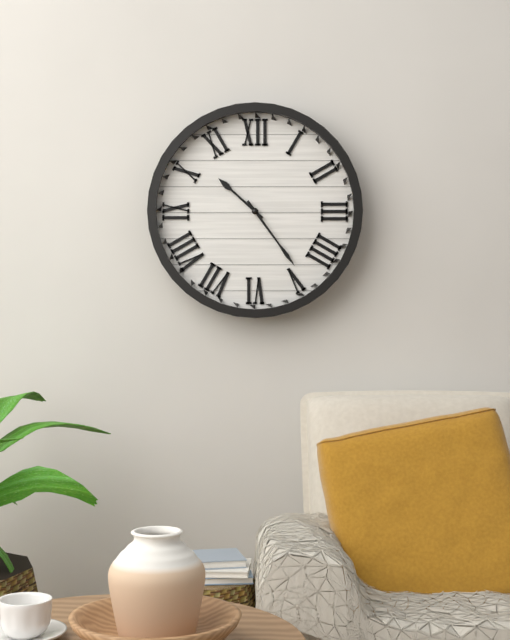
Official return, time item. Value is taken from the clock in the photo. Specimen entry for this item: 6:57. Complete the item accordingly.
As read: 10:24
